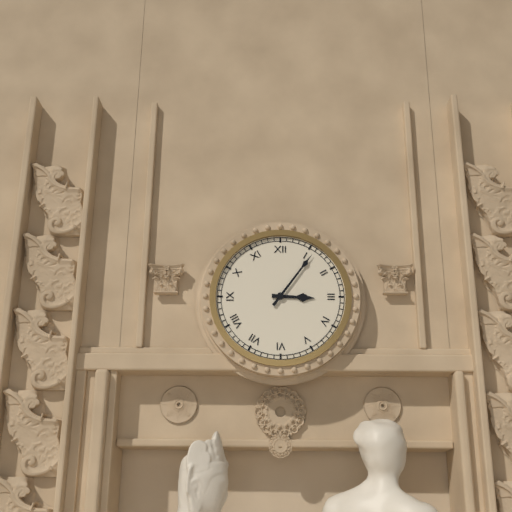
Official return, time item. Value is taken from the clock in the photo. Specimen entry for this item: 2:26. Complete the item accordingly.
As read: 3:06
